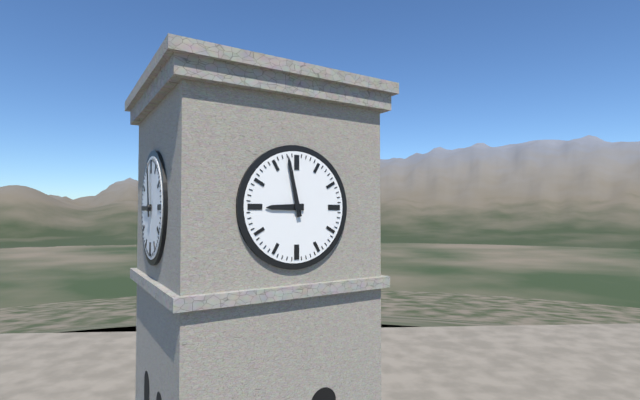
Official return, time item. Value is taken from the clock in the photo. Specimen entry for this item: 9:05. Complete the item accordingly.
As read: 8:58
